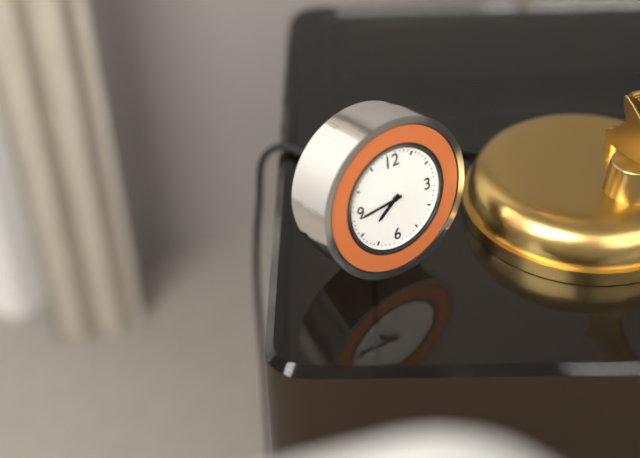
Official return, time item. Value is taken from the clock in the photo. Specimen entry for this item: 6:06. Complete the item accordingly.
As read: 7:44
